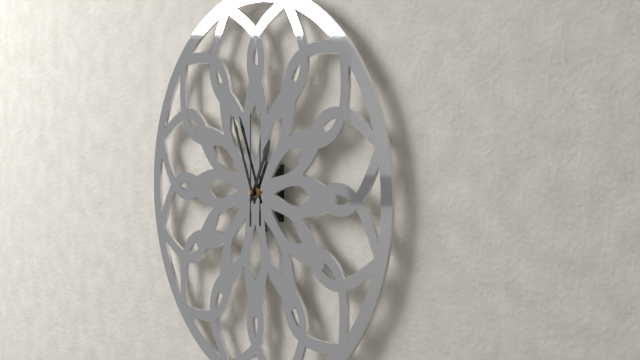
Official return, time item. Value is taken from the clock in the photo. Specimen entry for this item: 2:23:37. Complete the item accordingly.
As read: 12:56:00
